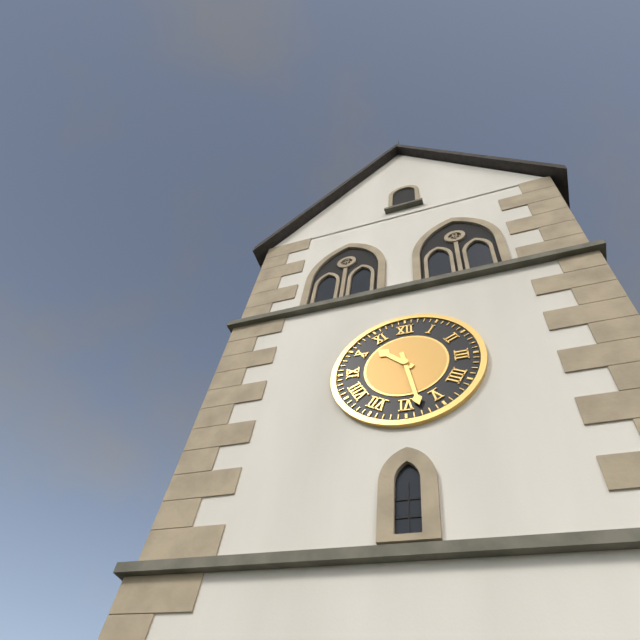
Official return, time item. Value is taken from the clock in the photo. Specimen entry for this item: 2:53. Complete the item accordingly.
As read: 10:28
